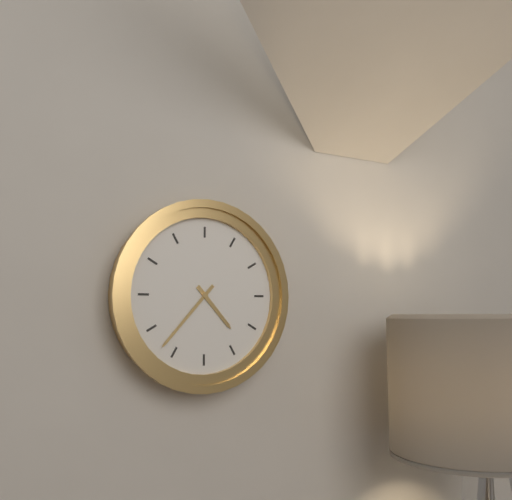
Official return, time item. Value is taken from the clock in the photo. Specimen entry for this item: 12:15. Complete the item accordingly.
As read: 4:37
